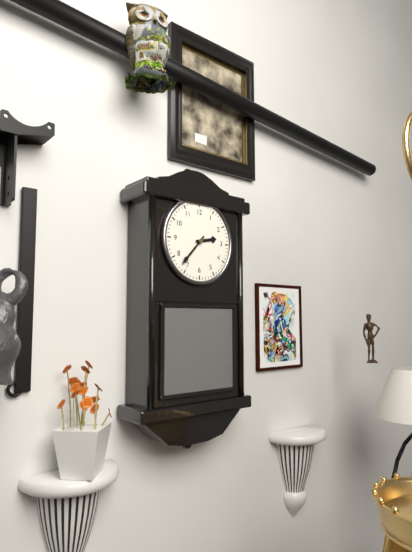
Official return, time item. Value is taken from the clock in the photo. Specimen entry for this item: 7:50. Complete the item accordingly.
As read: 2:37
